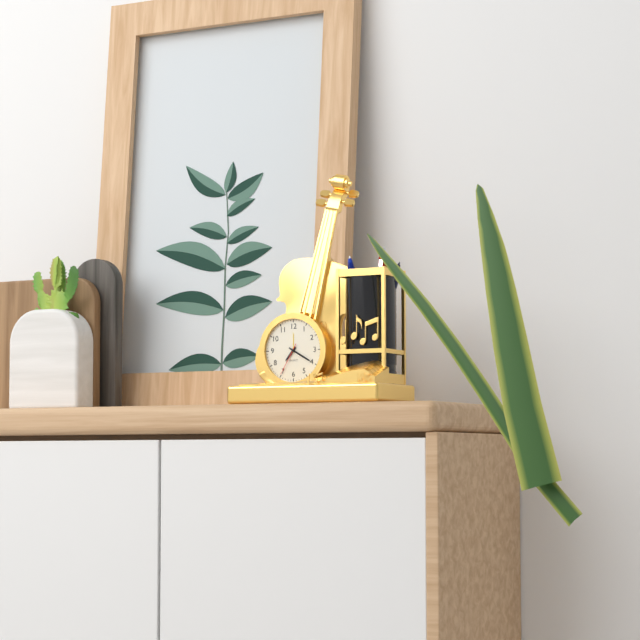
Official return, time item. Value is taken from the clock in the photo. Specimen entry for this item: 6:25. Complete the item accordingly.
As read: 7:20
